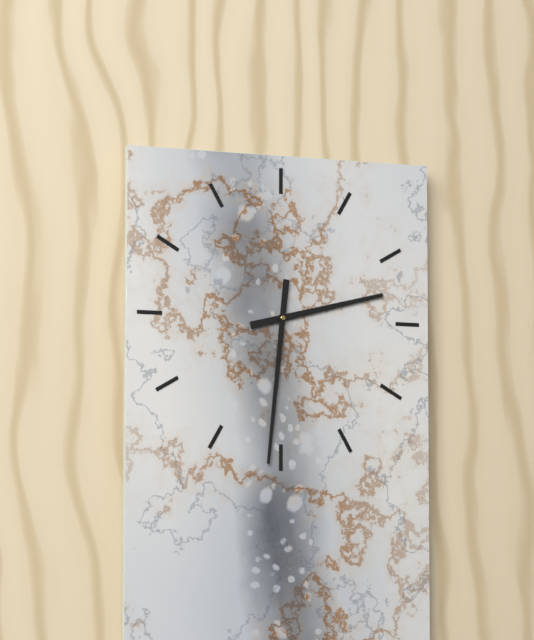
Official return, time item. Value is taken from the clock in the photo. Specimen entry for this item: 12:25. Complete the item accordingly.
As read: 2:31
